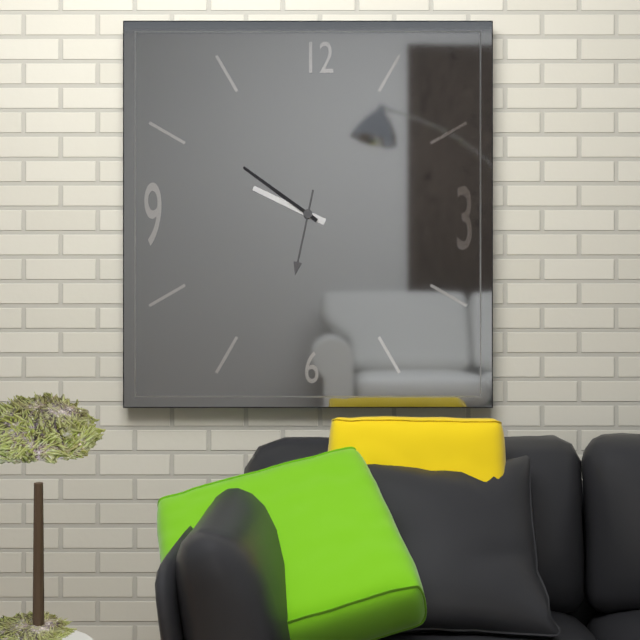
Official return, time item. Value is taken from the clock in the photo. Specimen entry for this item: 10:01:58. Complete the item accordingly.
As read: 9:51:32
